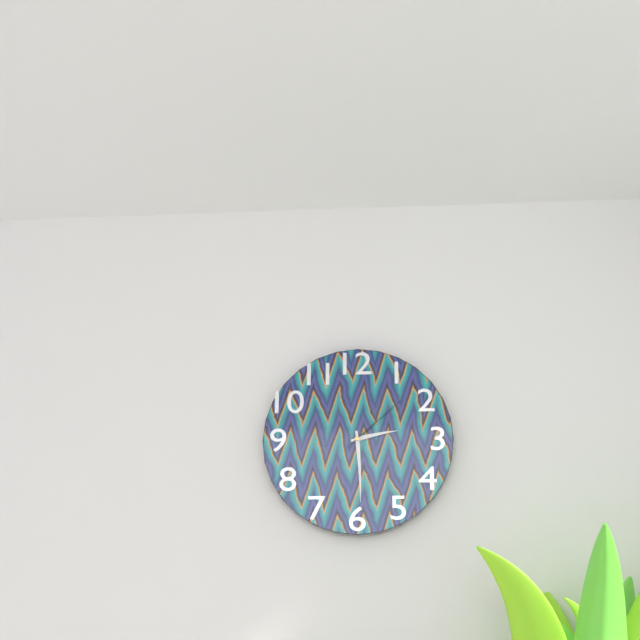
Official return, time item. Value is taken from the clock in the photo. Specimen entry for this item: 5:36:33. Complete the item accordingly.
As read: 2:29:08
